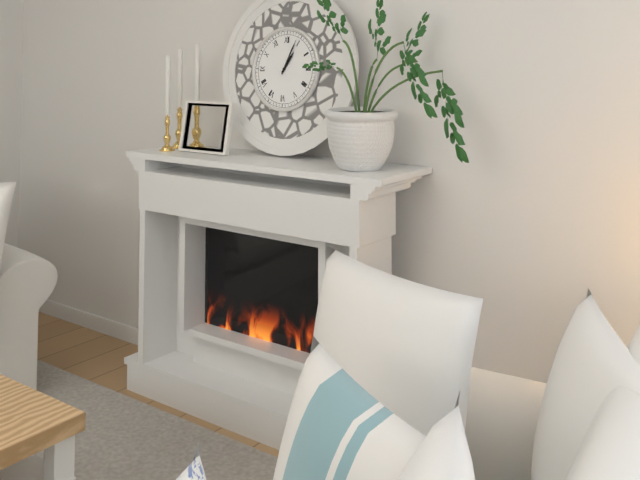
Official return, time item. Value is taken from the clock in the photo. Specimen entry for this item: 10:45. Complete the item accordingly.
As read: 1:04
